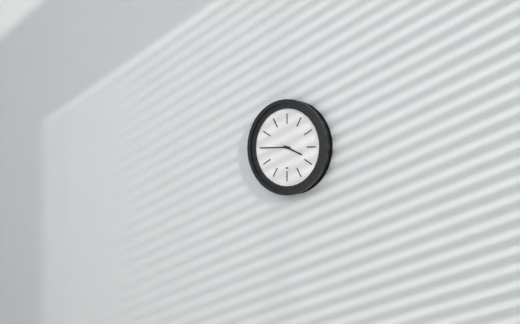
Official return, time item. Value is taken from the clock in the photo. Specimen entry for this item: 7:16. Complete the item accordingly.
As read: 3:45
